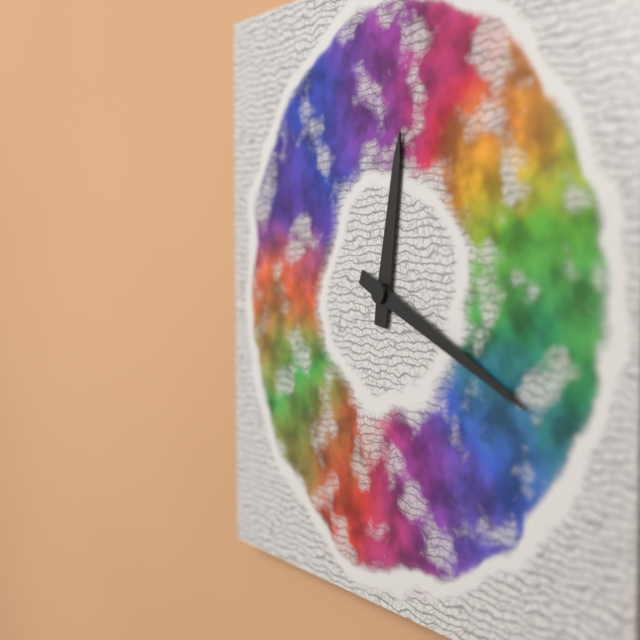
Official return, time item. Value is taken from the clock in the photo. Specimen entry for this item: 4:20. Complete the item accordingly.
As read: 12:19
